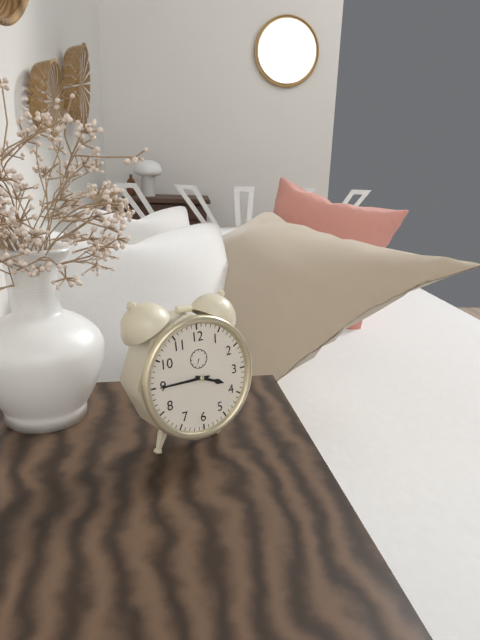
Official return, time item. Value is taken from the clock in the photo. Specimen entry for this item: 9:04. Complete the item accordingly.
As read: 3:45
